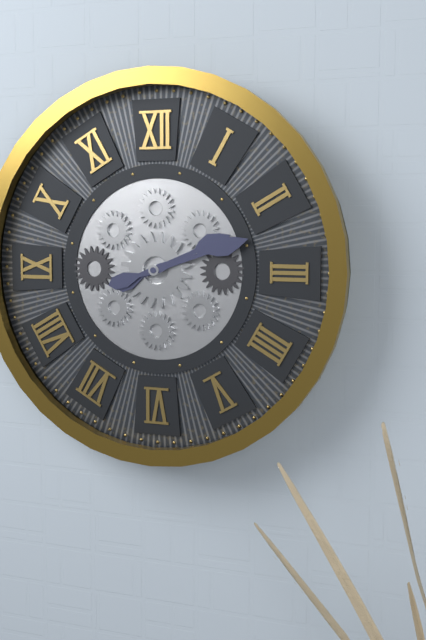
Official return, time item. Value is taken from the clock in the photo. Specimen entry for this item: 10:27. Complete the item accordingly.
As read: 2:12
